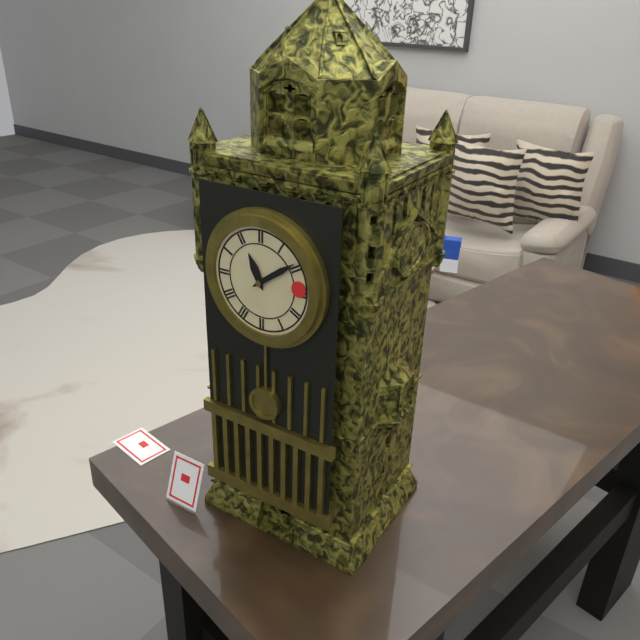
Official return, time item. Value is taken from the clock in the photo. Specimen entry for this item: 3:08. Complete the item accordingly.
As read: 11:09
